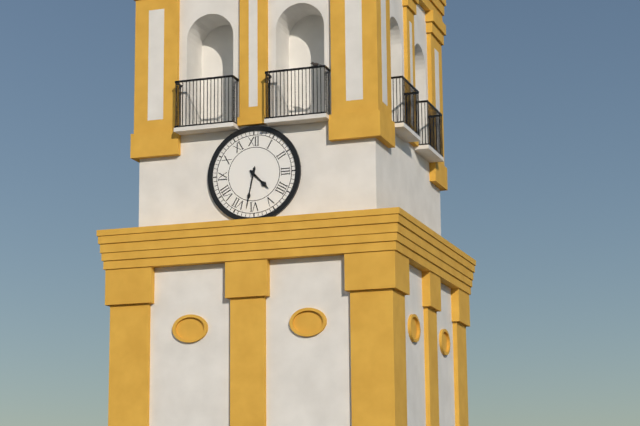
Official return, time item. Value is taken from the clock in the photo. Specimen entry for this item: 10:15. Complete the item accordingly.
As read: 4:32
